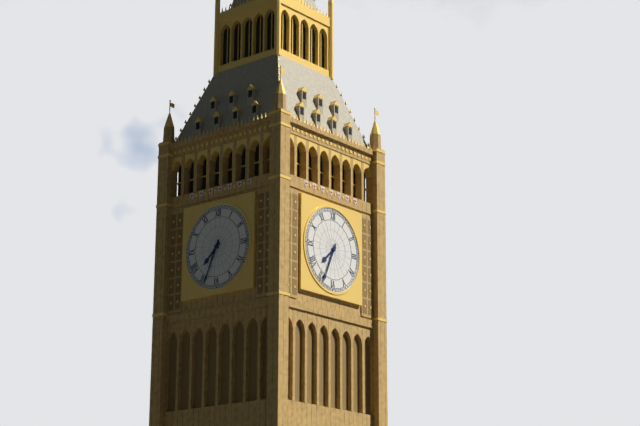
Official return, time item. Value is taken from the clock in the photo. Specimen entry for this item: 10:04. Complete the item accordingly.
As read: 7:34
